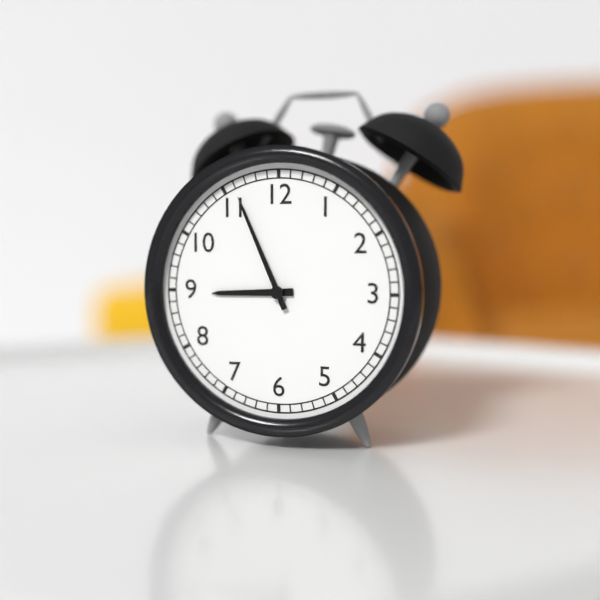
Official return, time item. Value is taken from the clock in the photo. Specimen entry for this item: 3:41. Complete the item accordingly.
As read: 8:56
